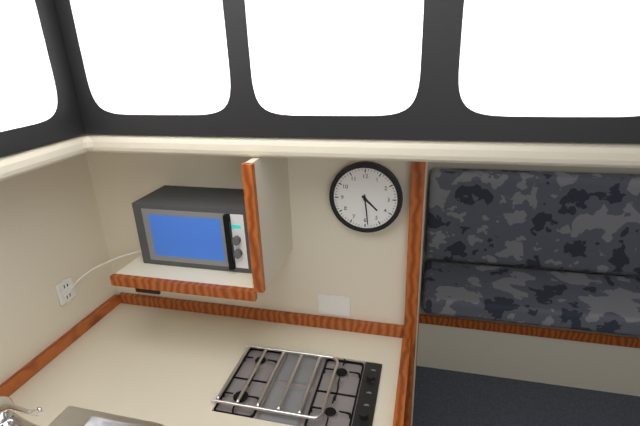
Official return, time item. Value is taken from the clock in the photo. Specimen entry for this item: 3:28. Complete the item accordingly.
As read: 4:29
